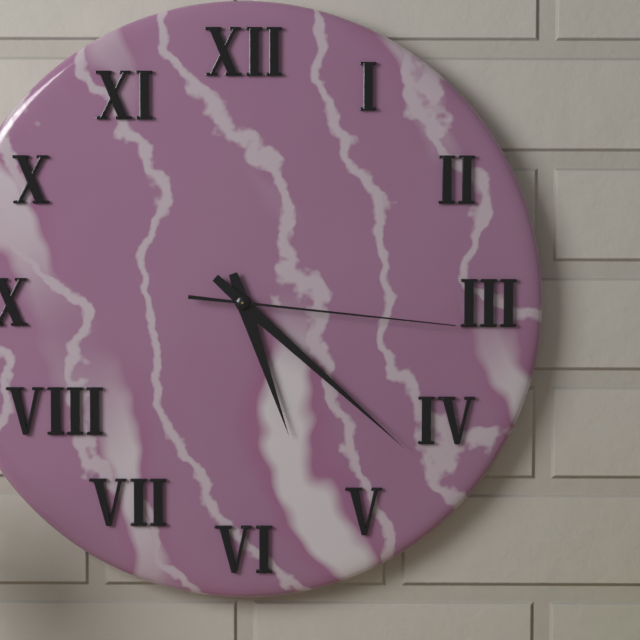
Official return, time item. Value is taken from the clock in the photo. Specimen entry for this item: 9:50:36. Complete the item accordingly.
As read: 5:22:16
